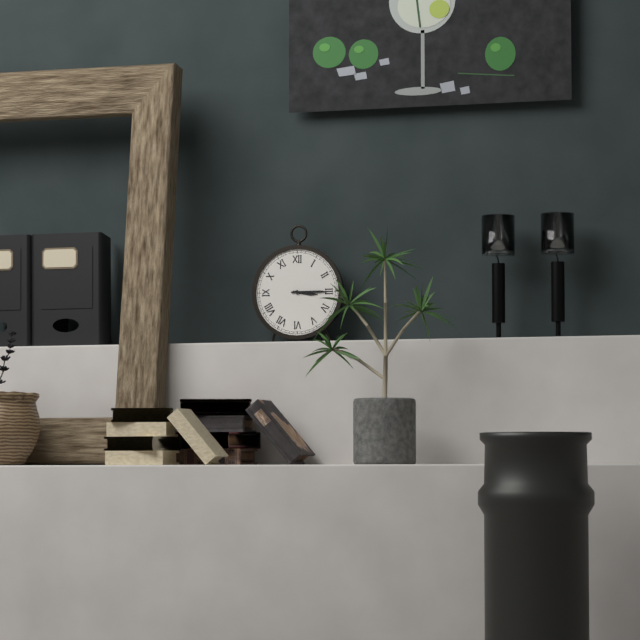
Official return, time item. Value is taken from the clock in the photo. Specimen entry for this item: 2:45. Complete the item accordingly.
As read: 3:15
